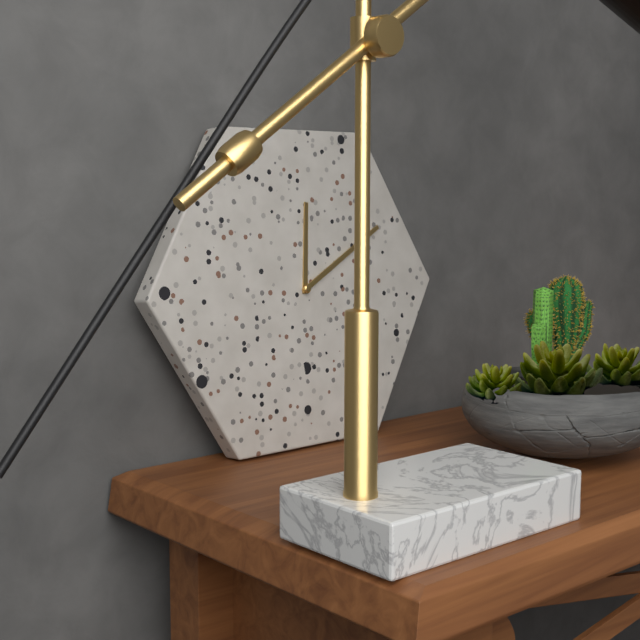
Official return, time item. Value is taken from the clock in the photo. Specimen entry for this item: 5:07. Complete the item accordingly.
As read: 12:10
